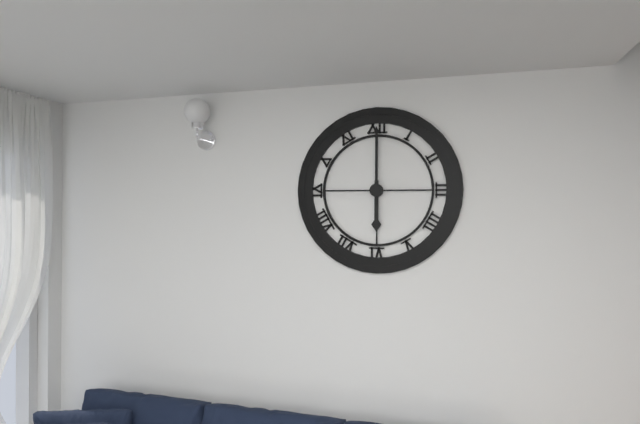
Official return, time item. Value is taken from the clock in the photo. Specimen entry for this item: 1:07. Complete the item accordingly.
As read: 6:00
